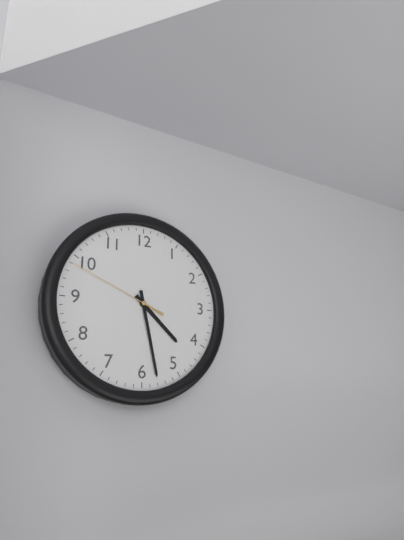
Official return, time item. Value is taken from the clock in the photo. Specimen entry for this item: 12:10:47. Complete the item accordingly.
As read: 4:28:49
